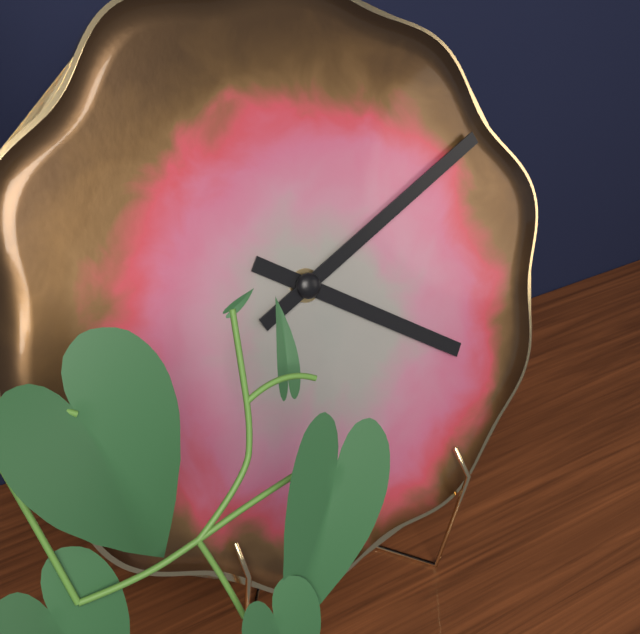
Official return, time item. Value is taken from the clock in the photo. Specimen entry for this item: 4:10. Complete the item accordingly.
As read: 4:11
